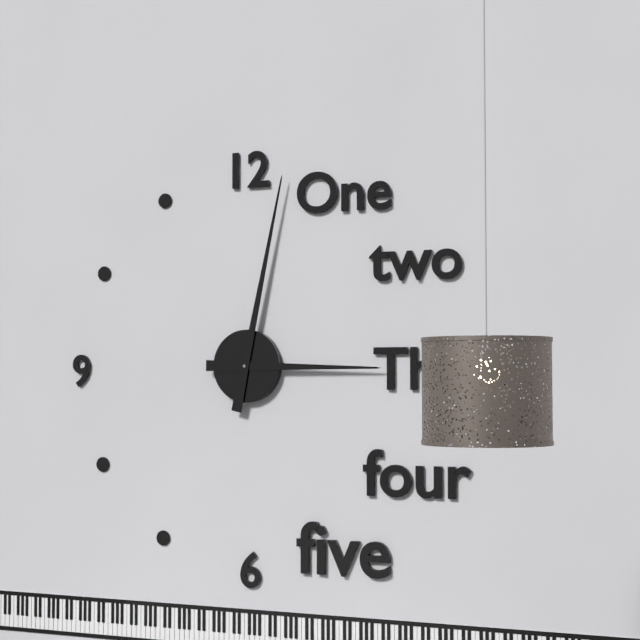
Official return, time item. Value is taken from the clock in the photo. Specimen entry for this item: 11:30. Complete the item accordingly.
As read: 3:02
